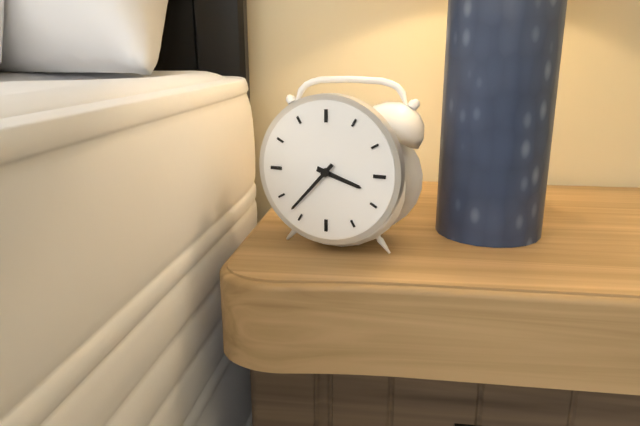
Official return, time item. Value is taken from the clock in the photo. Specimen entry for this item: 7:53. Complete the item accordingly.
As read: 3:37
